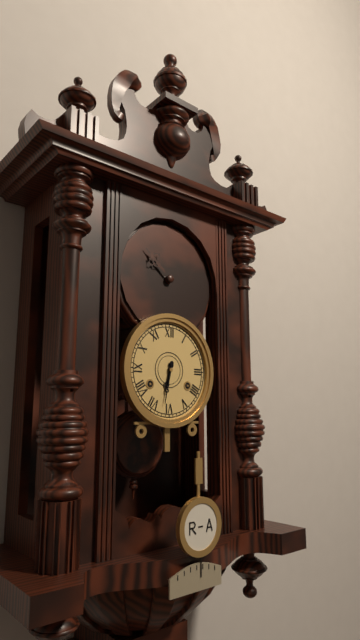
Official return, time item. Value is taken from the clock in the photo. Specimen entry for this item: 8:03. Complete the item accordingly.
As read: 6:32
